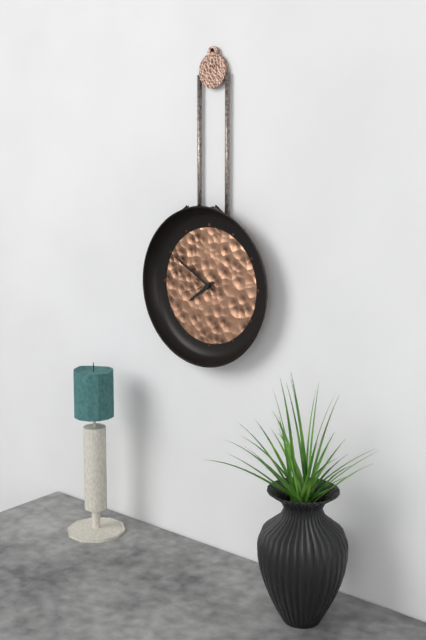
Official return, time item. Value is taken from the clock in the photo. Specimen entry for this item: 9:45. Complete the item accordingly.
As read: 7:50
